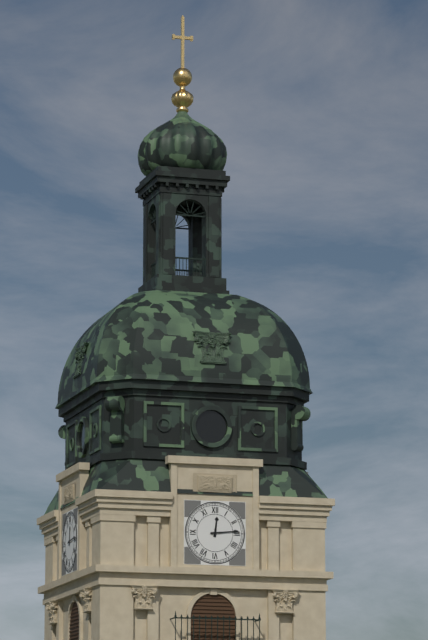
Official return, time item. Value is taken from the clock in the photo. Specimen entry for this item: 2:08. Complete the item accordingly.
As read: 12:14
